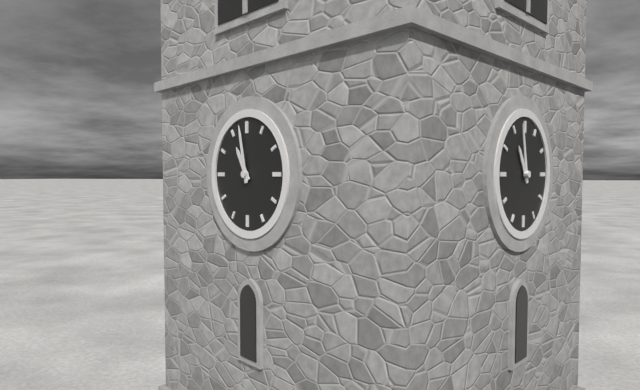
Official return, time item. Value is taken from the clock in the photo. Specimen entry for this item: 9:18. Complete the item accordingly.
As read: 10:58
